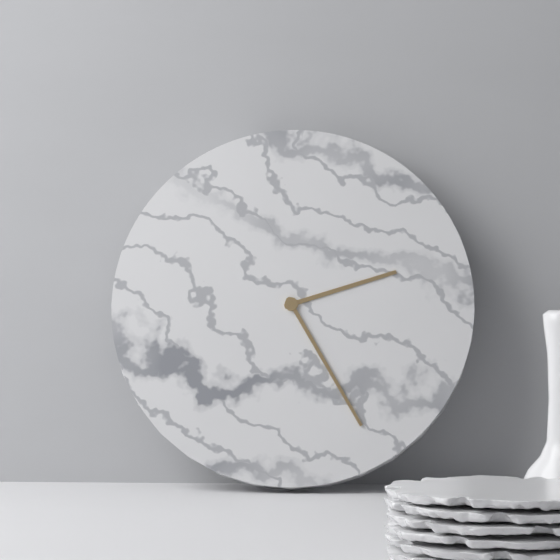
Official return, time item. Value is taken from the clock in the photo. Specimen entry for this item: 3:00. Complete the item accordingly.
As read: 2:25
